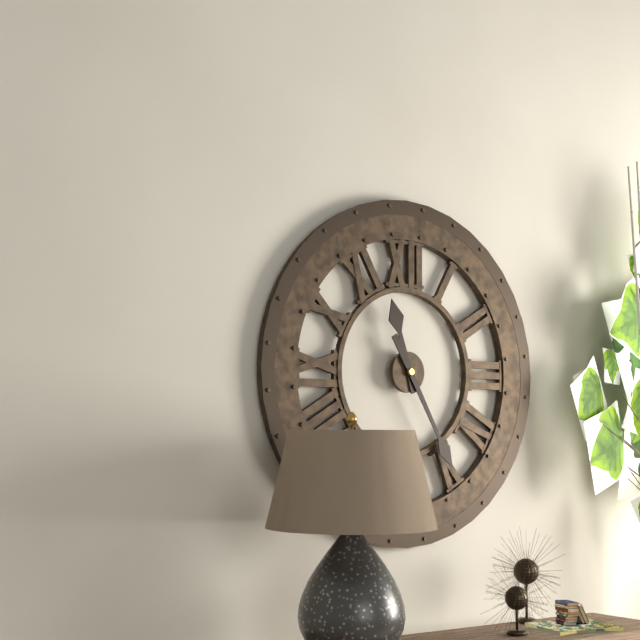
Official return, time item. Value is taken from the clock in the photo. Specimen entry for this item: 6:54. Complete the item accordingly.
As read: 11:25
